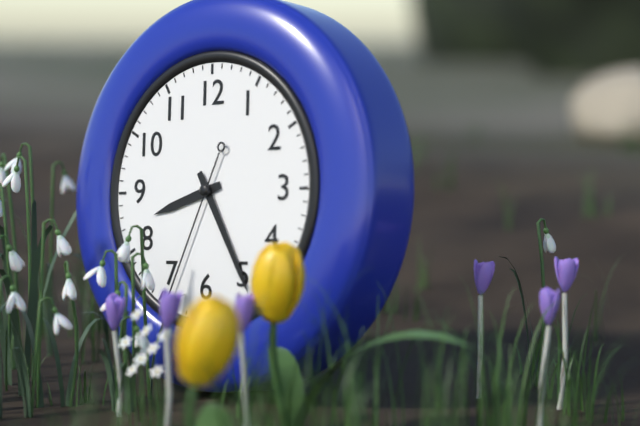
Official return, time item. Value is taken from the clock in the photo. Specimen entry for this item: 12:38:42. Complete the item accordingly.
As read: 8:25:34
